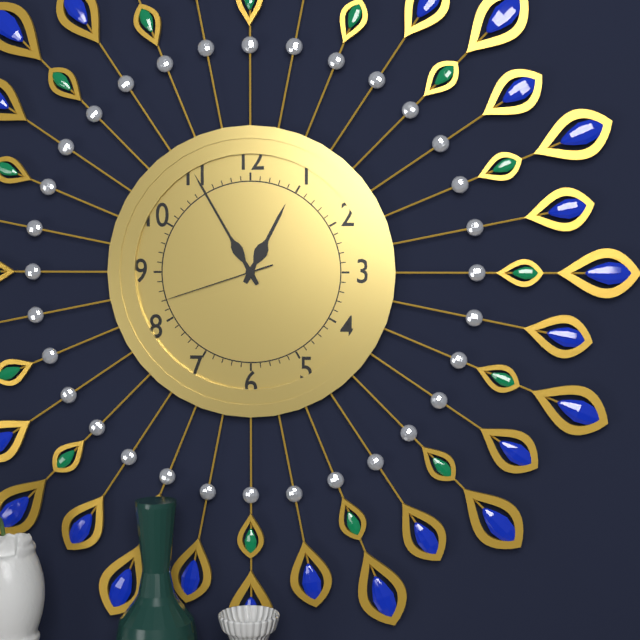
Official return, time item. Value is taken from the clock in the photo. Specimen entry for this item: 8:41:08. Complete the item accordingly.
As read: 12:55:42
